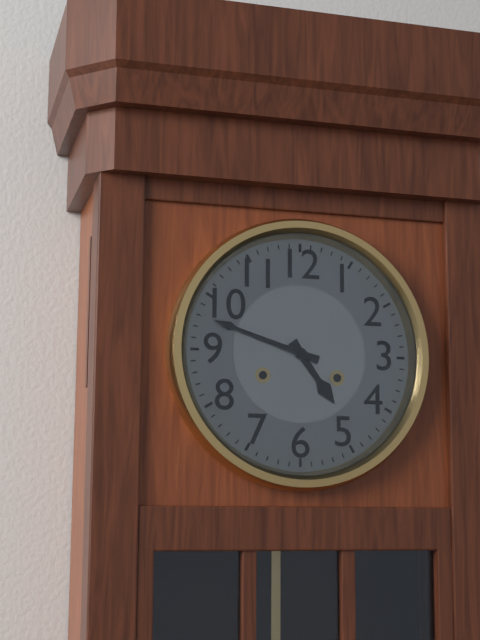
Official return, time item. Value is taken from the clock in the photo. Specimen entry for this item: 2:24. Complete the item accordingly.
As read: 4:48
